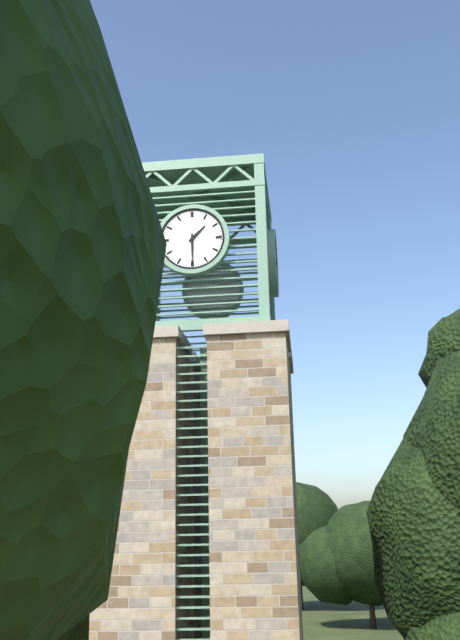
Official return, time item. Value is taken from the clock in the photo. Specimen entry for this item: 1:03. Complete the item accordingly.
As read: 1:30
